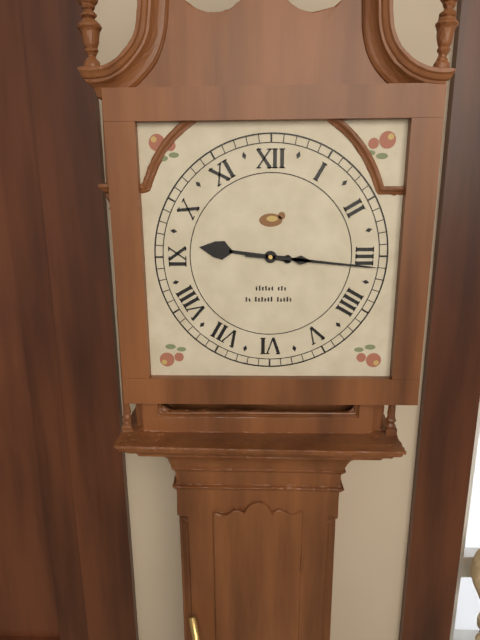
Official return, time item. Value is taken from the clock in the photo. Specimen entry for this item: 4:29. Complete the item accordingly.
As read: 9:16
